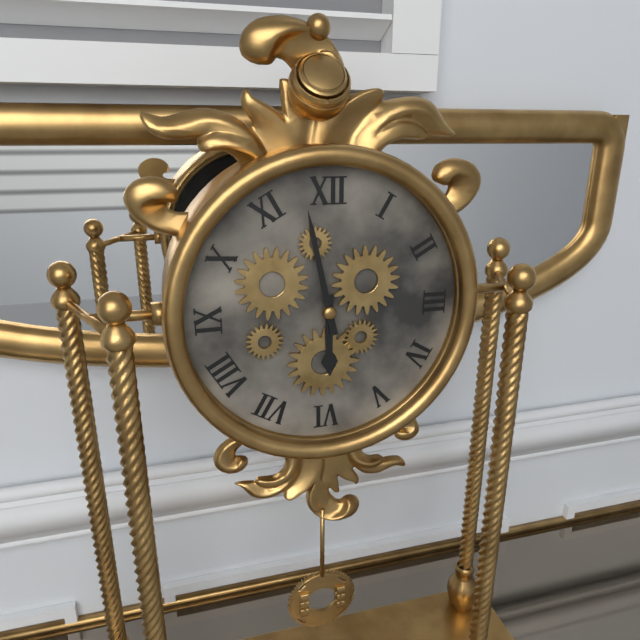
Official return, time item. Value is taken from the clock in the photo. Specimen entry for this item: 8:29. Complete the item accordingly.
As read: 5:58
